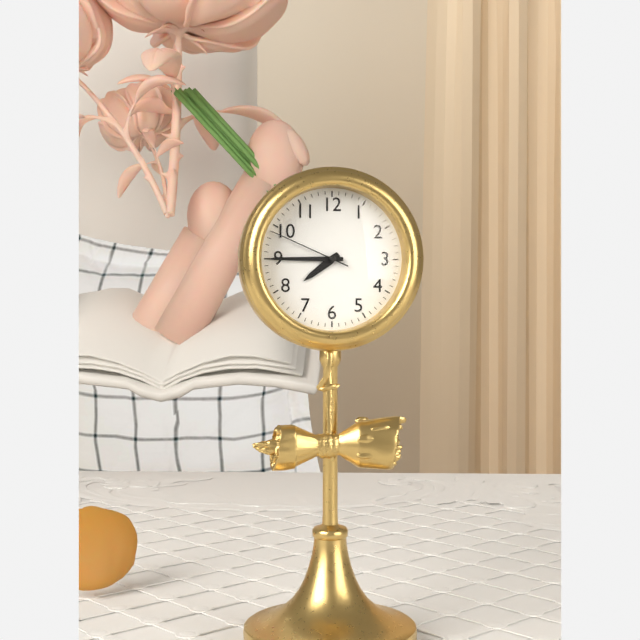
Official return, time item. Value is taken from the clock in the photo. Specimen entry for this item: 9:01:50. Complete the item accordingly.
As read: 7:45:49
